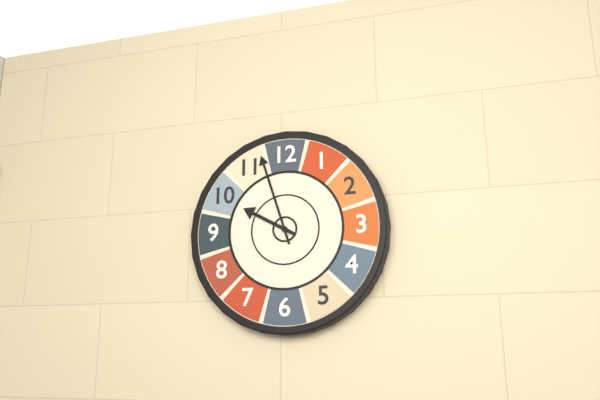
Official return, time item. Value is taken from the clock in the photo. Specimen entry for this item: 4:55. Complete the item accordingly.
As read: 9:57
